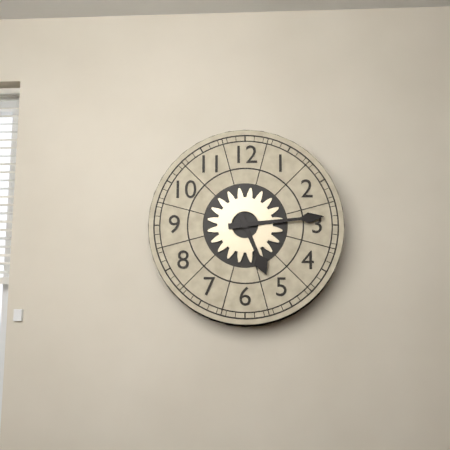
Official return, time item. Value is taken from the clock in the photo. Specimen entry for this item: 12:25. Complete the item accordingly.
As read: 5:14
